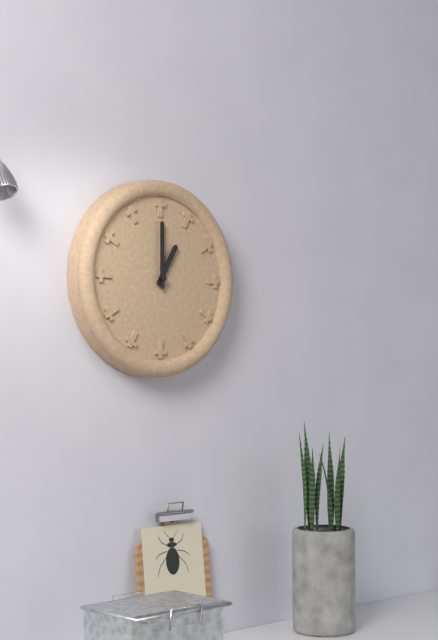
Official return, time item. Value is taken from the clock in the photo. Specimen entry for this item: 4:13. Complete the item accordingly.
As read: 1:00
